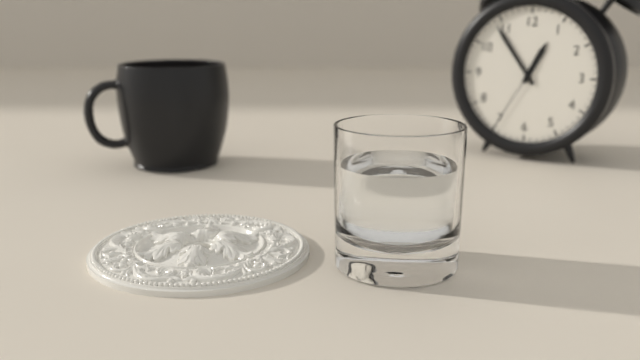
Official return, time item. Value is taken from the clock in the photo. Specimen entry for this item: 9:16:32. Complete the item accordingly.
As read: 12:54:35
